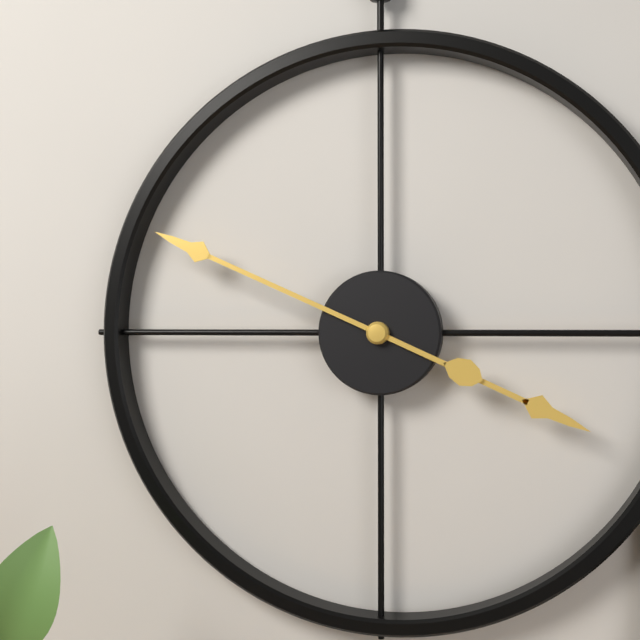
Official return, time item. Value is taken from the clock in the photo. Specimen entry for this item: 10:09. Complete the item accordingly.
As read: 3:49
